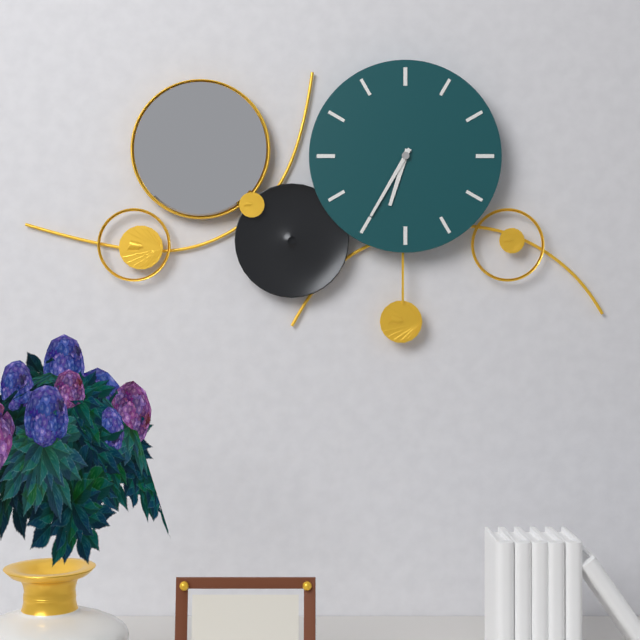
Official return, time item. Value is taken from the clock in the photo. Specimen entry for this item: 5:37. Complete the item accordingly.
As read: 6:35
